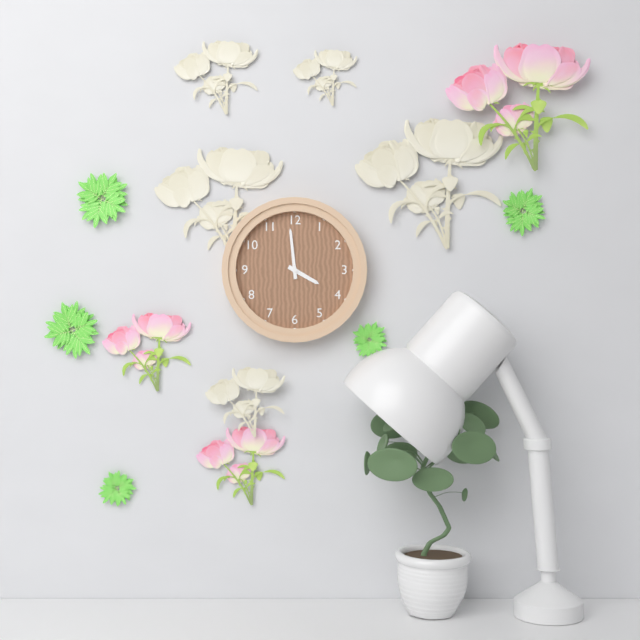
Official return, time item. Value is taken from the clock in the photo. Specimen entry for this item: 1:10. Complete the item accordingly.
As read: 3:59
